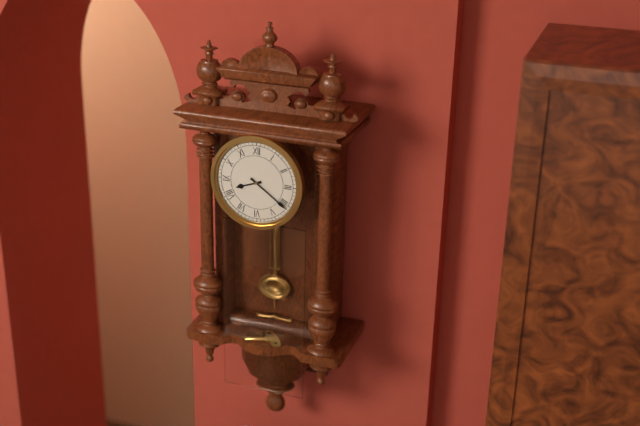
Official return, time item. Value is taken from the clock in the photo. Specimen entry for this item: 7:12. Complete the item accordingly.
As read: 8:21
